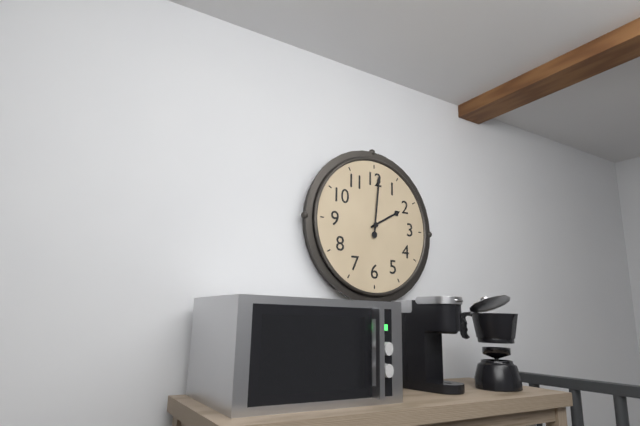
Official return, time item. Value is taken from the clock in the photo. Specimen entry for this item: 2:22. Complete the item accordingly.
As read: 2:01
